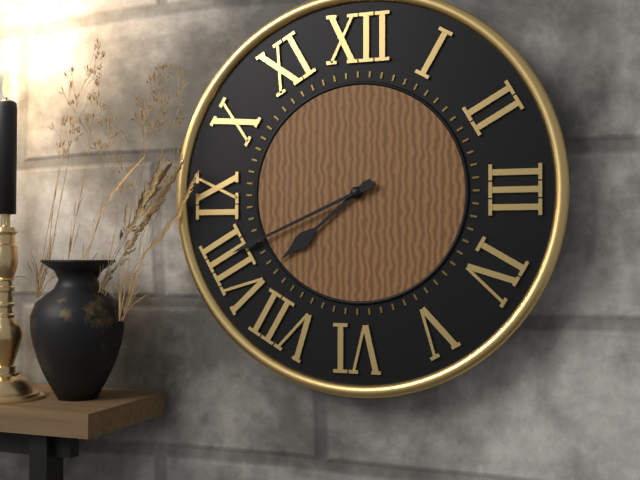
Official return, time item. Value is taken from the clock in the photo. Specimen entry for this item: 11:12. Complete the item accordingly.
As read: 7:41
